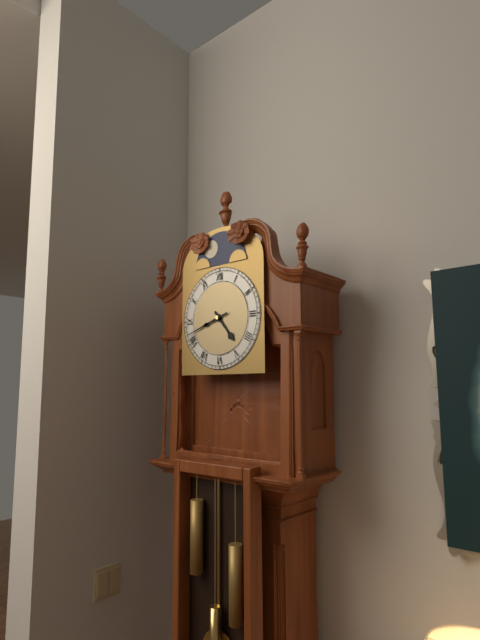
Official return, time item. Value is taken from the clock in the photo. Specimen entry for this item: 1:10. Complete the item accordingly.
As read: 4:42
